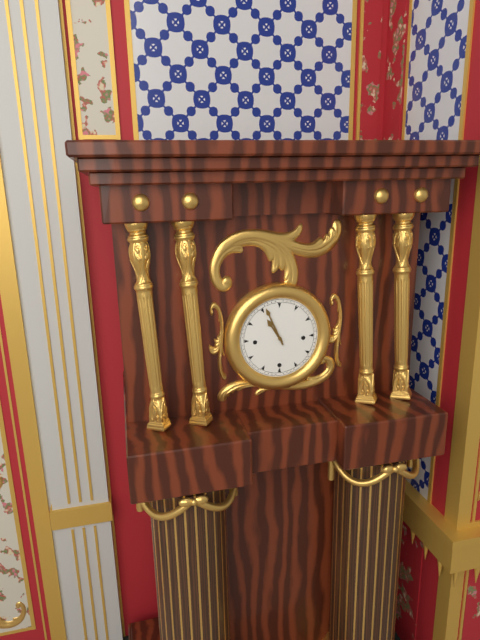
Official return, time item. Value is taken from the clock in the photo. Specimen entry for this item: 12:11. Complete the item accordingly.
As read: 10:56
